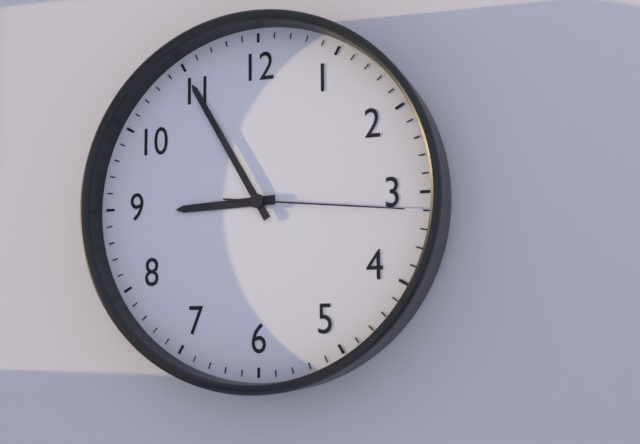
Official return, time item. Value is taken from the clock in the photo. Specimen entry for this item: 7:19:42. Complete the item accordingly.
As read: 8:55:16
